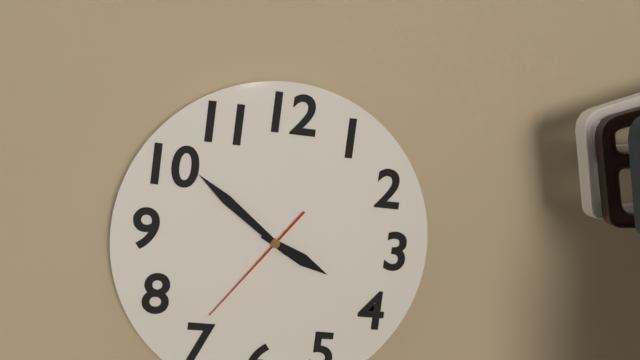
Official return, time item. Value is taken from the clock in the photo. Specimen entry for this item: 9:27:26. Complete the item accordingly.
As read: 3:51:36
